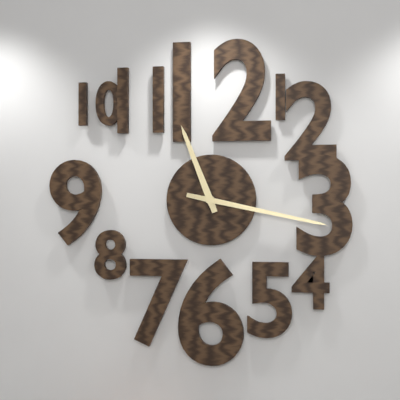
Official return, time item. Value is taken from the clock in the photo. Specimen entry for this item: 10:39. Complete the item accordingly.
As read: 11:17
